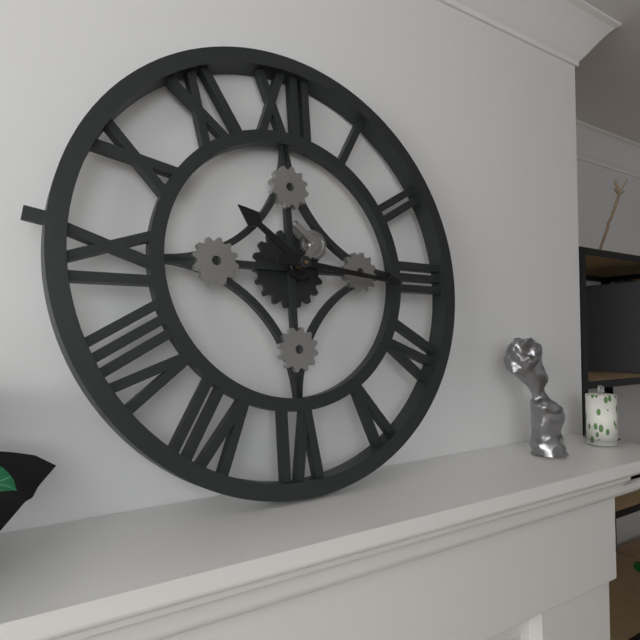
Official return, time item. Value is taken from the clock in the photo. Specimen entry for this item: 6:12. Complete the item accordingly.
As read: 10:16
